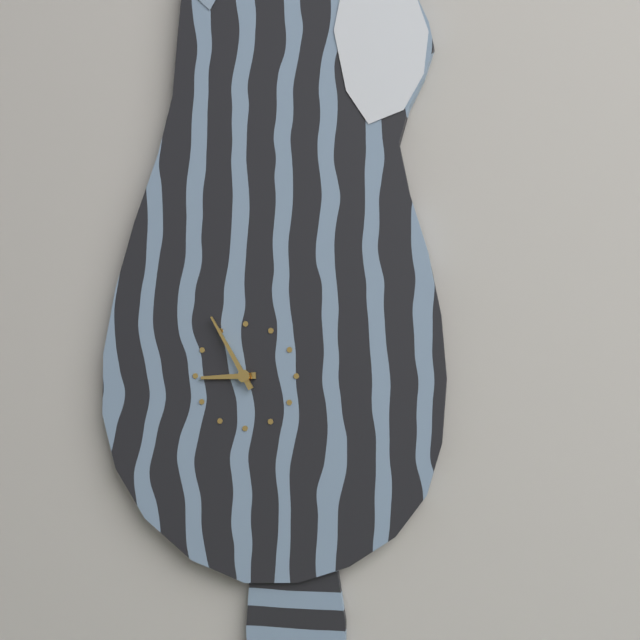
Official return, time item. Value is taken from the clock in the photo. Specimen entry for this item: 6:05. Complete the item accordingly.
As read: 8:55
